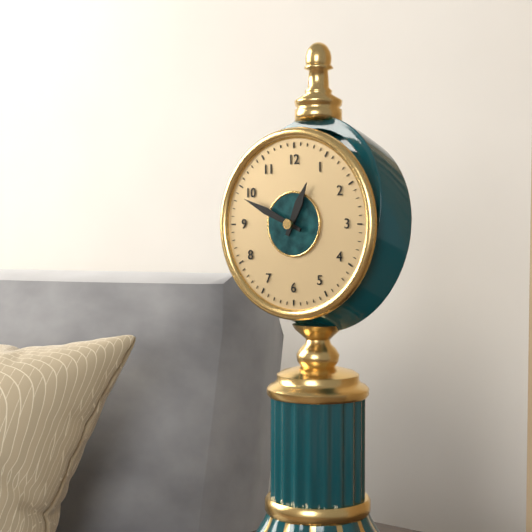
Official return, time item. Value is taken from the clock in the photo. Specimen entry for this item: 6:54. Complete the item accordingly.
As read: 12:49
